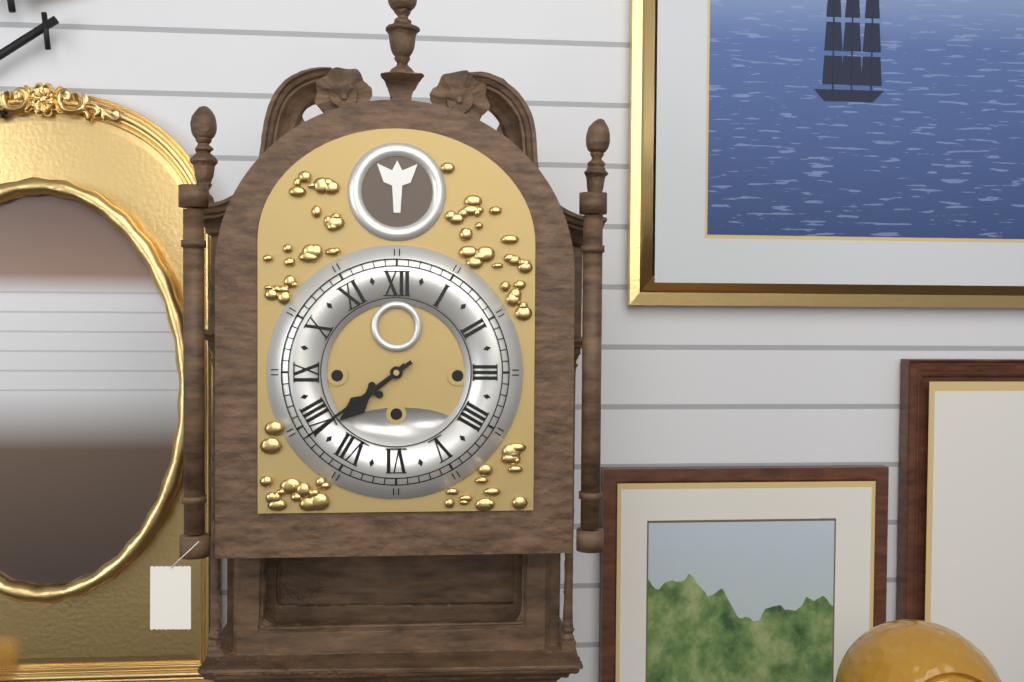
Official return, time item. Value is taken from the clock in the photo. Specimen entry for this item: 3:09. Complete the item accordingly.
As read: 7:39
